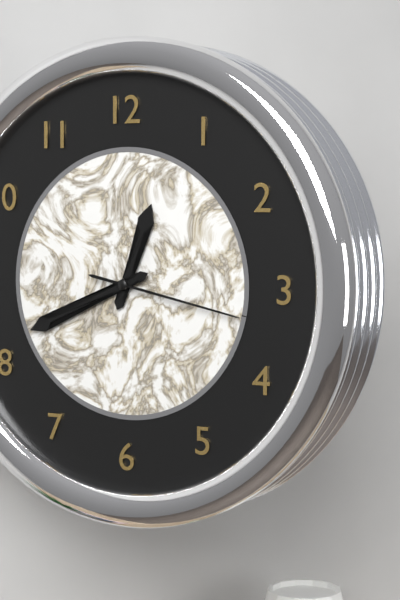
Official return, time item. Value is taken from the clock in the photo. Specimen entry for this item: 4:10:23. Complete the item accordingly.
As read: 12:41:17
